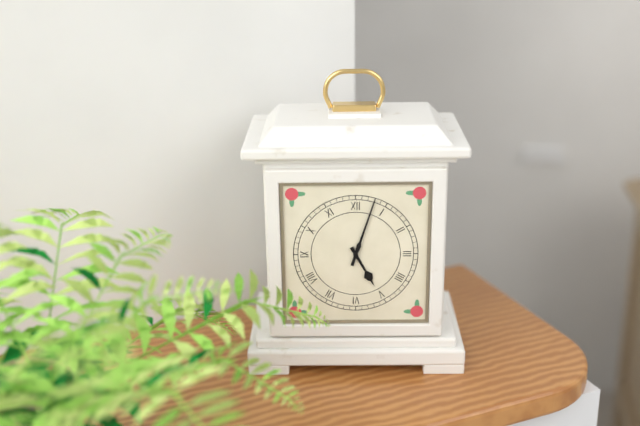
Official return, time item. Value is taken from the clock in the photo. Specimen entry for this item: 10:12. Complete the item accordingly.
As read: 5:03
